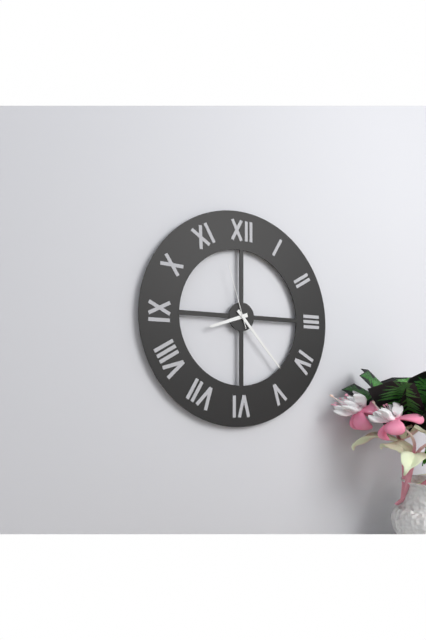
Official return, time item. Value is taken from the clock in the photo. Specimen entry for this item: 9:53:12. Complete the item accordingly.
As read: 8:23:57
